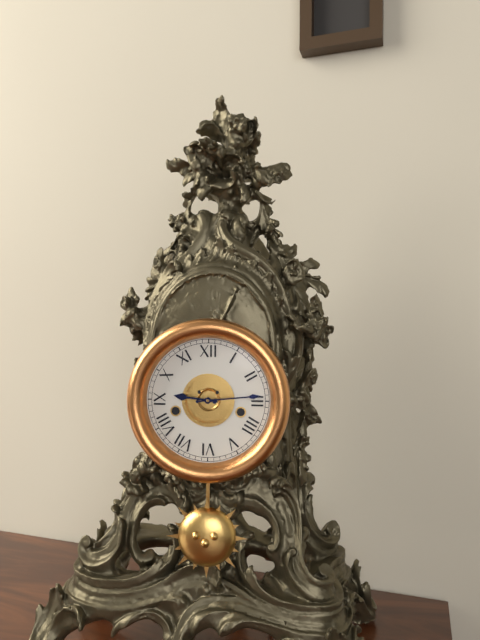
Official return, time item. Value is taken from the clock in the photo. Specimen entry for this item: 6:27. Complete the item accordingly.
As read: 9:14
